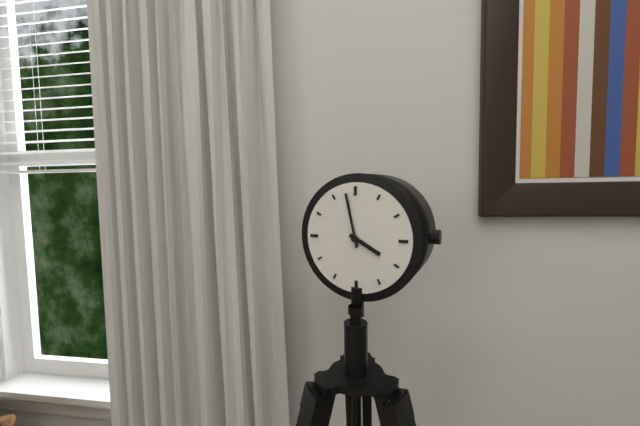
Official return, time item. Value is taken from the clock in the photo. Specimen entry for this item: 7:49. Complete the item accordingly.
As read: 3:58
